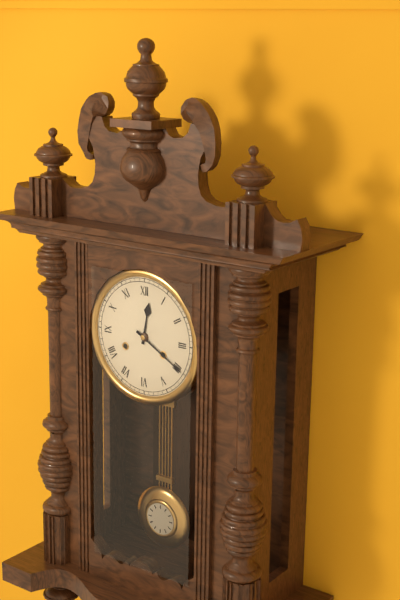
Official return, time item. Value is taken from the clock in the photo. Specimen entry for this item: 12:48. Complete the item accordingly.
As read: 12:20
